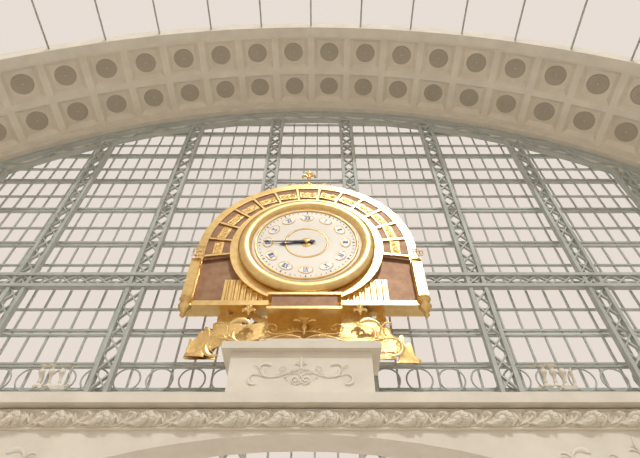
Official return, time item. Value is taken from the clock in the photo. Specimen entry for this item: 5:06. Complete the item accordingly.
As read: 8:45
